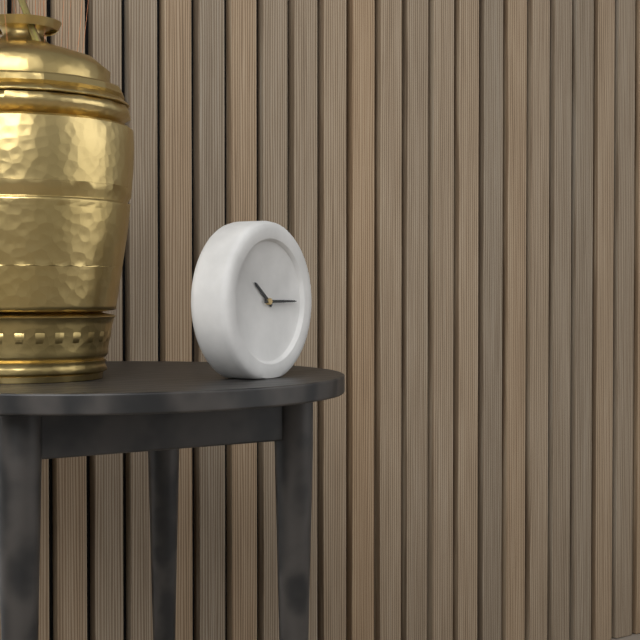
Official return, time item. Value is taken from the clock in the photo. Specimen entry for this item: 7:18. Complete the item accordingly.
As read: 10:15
